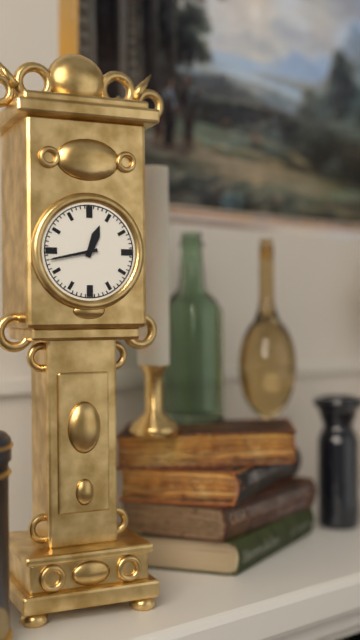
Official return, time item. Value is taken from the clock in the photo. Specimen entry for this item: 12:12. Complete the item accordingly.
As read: 12:43
